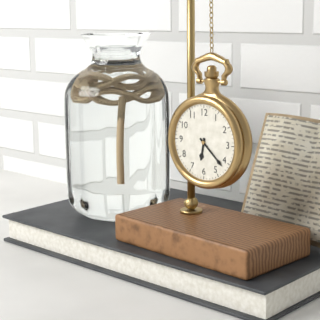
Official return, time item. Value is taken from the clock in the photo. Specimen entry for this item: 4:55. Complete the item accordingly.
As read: 6:22
